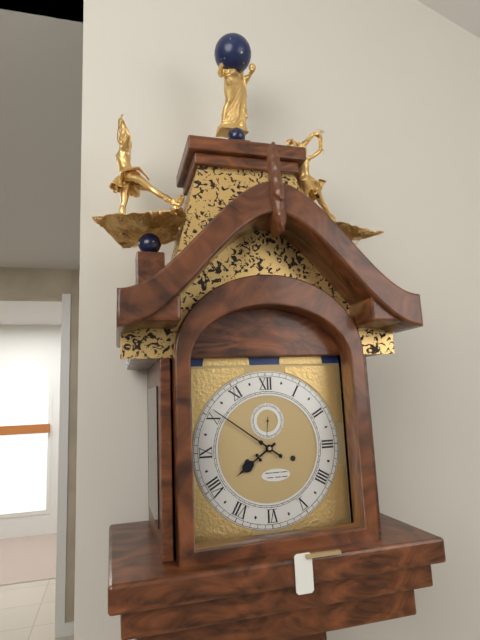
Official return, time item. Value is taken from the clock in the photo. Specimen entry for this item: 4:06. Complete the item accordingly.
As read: 7:51
